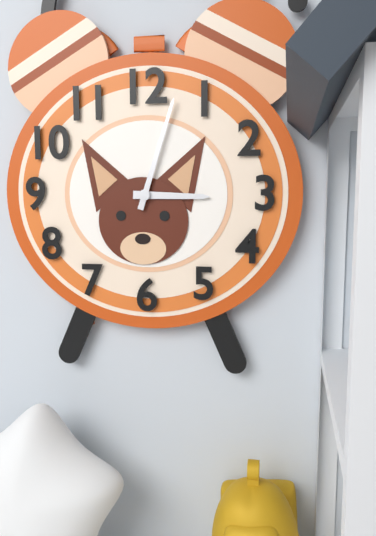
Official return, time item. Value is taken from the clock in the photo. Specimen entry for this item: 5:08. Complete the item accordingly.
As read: 3:03
